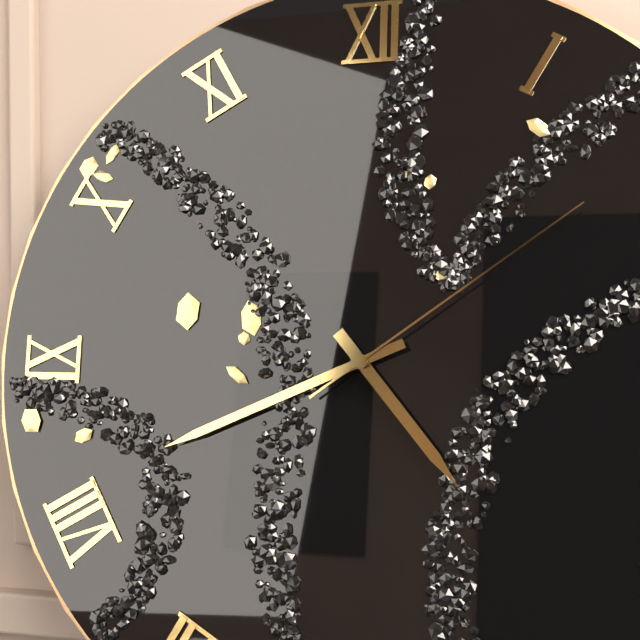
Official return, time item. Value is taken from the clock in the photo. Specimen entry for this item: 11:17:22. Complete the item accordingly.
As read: 4:41:09
